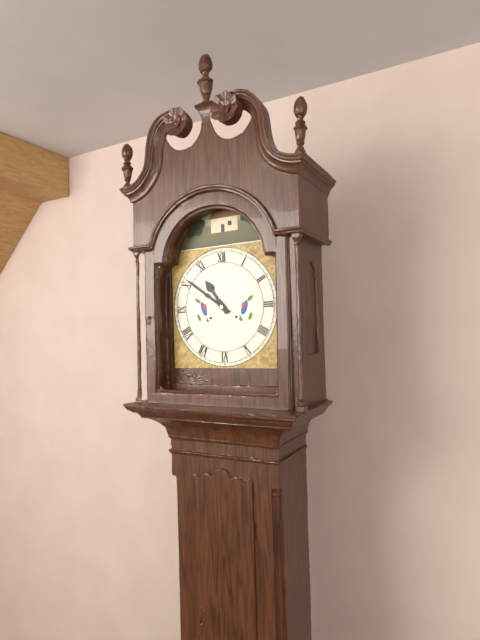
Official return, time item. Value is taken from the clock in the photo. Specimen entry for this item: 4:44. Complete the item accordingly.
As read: 10:51
